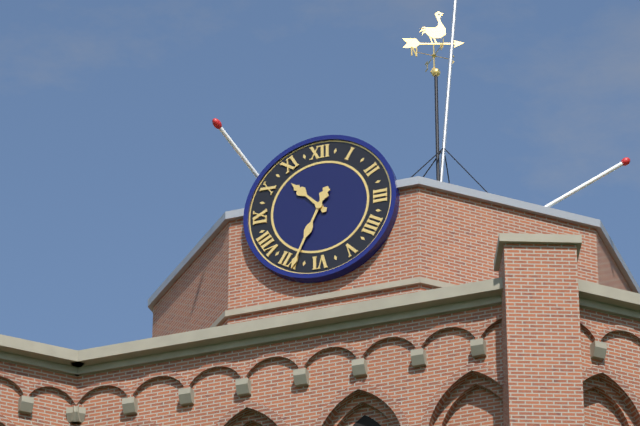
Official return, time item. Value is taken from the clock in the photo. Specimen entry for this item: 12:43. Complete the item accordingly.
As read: 10:34
